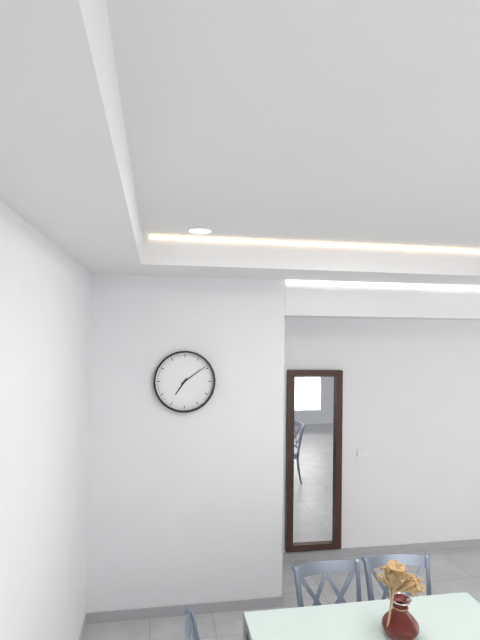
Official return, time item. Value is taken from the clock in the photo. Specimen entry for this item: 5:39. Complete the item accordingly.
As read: 7:09
